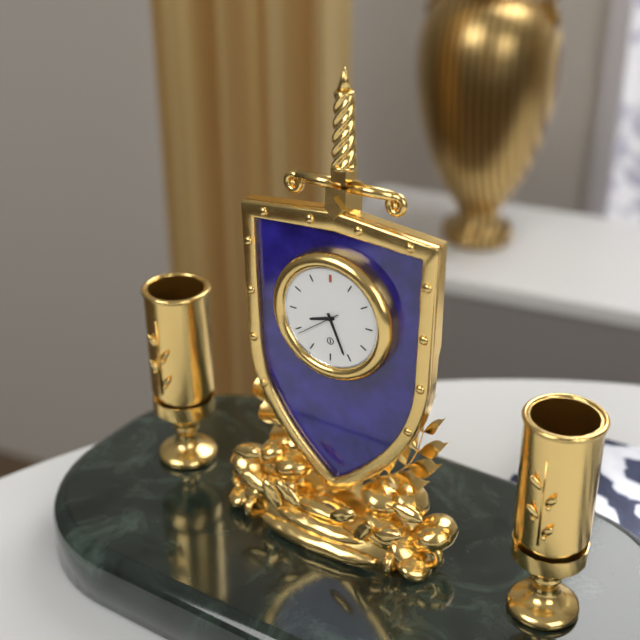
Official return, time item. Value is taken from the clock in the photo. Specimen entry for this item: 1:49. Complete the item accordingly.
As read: 8:26
